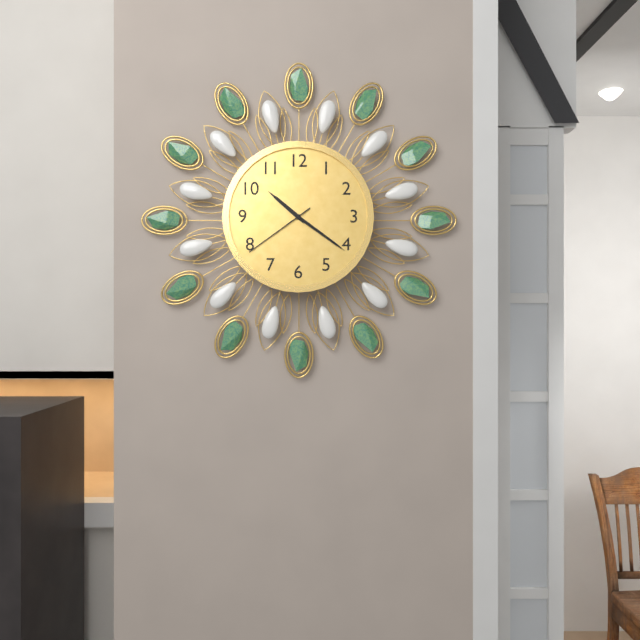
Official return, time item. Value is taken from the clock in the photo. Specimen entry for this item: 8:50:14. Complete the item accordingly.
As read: 10:21:39
